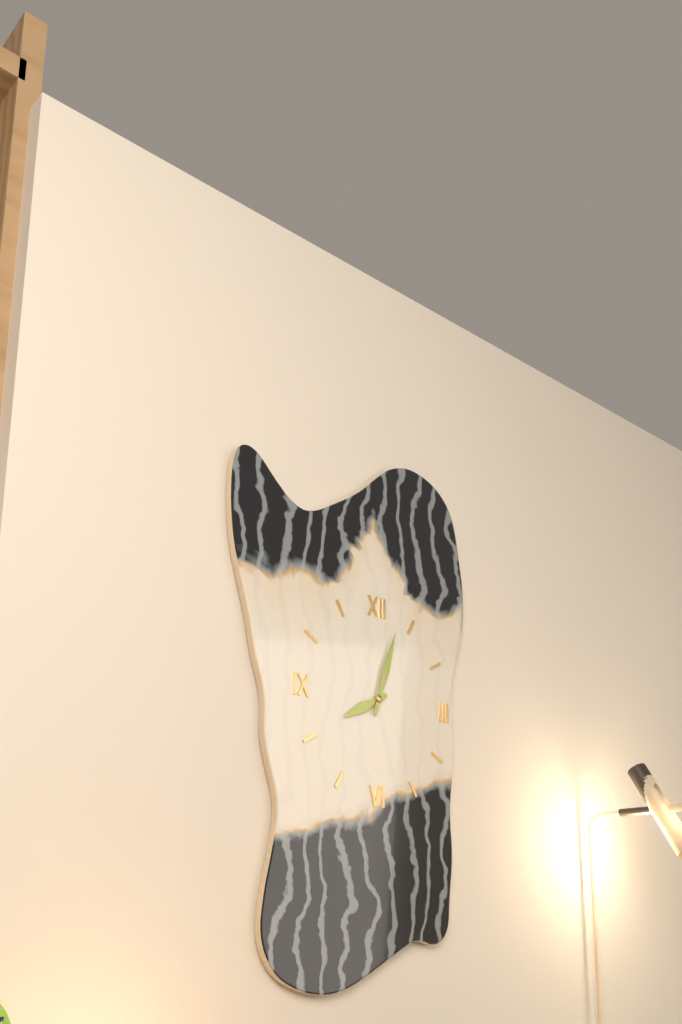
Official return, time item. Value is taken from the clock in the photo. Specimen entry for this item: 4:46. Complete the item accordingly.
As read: 8:03
